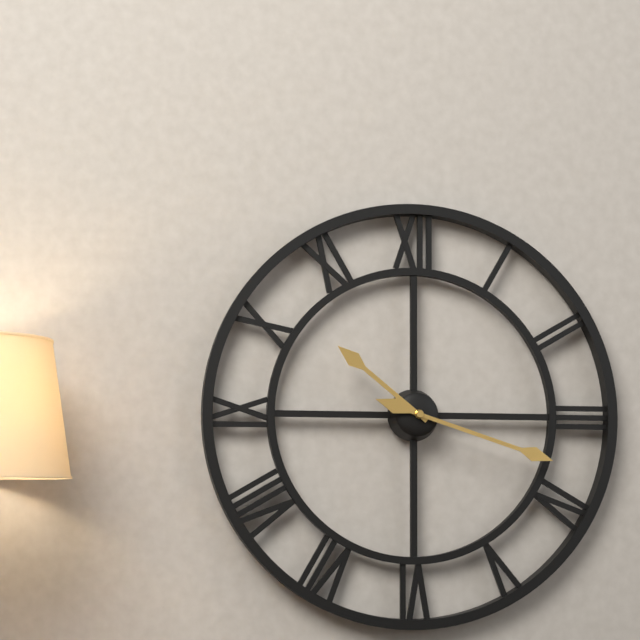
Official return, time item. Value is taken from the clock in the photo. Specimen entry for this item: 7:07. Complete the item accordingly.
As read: 10:18
